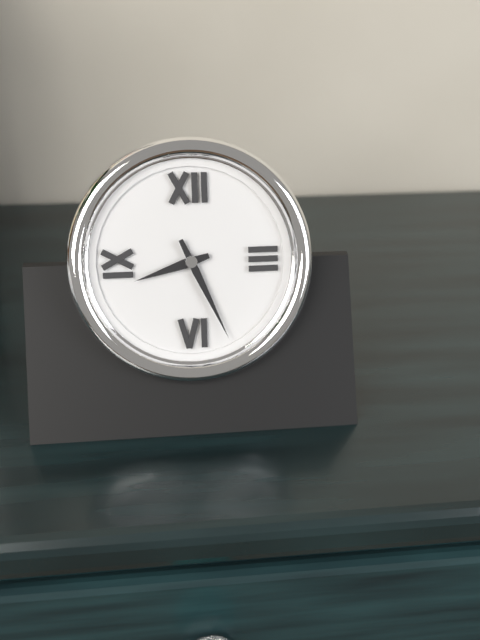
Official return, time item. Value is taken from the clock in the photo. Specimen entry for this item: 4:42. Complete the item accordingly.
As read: 8:26
